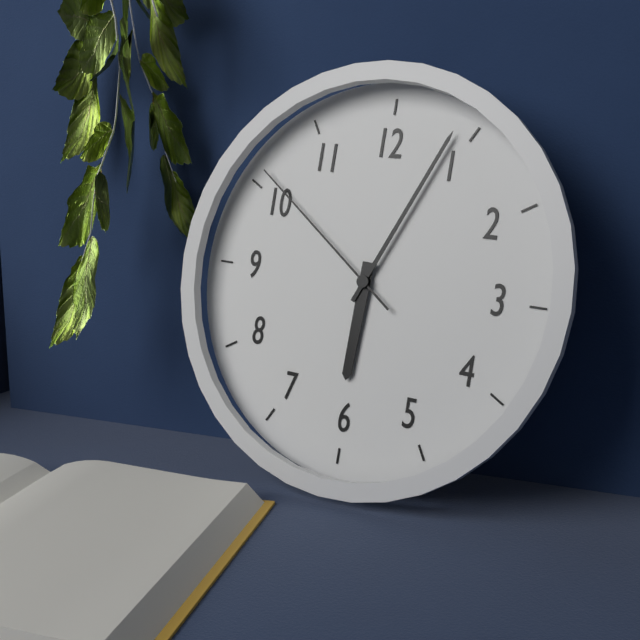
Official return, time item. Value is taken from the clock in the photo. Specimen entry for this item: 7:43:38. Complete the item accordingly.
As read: 6:04:51
